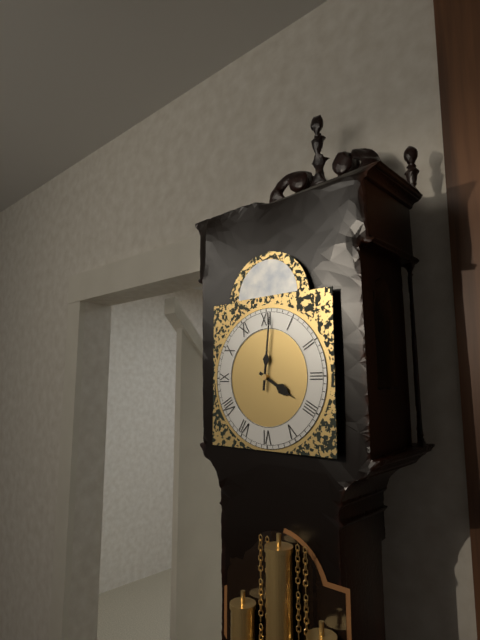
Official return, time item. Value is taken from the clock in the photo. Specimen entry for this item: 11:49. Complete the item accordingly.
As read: 4:01
